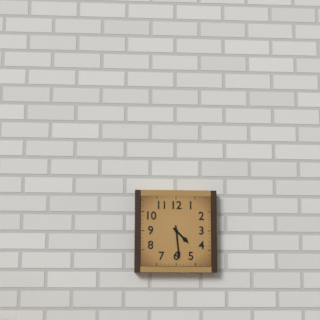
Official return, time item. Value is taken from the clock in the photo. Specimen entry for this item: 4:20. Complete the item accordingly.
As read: 4:29
